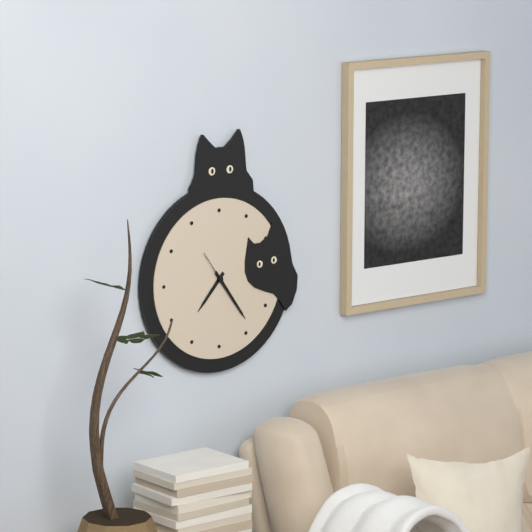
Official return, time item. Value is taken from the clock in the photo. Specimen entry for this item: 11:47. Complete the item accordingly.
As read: 7:24
